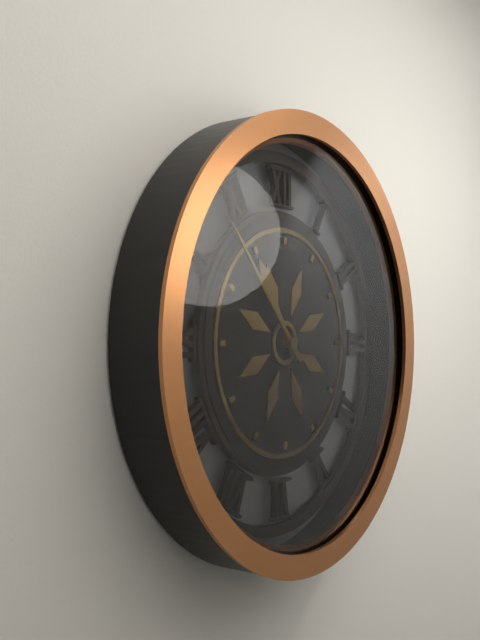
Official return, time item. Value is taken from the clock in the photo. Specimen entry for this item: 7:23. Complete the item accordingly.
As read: 10:53
